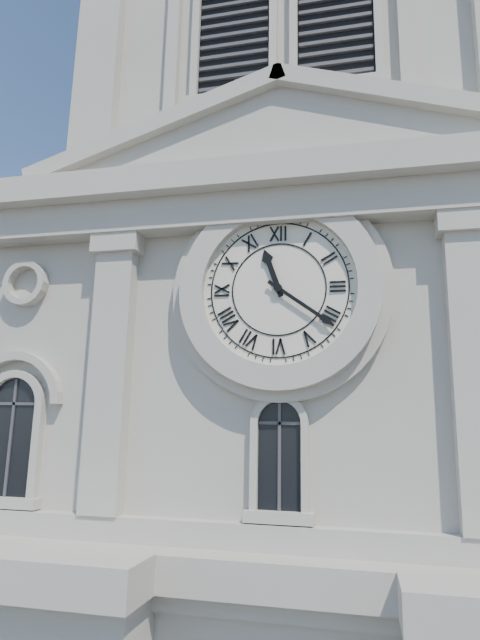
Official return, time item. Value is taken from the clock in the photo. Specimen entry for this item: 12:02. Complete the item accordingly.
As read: 11:21
